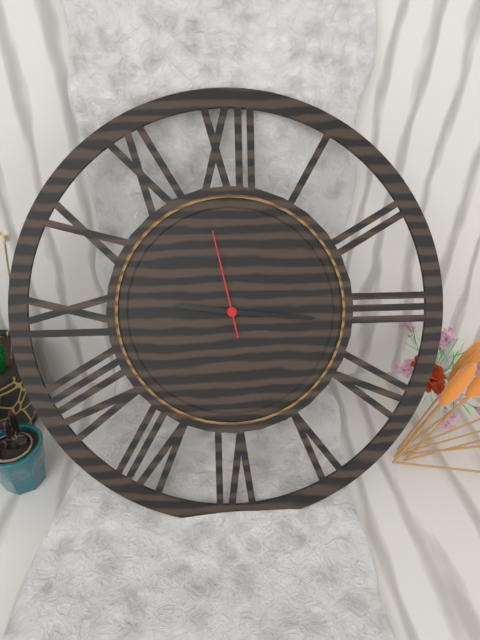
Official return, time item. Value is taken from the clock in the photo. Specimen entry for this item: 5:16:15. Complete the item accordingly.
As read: 9:16:58
